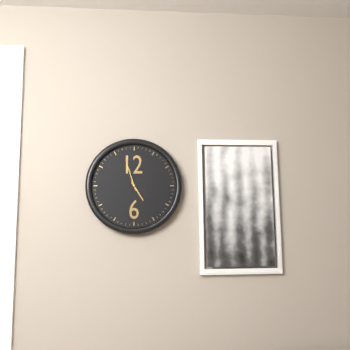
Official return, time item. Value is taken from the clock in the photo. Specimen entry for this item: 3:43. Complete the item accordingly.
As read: 4:57
